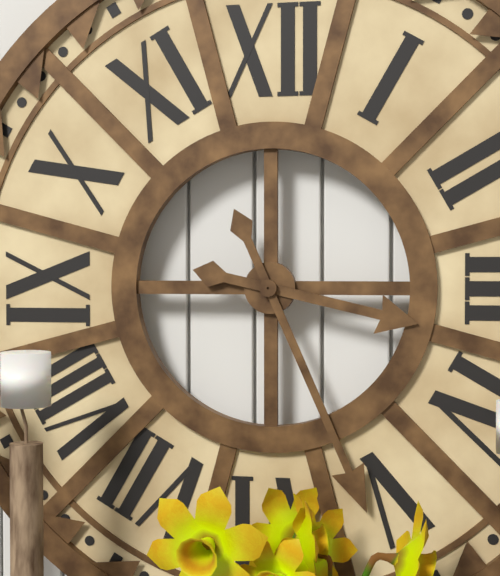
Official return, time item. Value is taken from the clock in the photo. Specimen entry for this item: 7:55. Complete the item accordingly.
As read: 3:26
